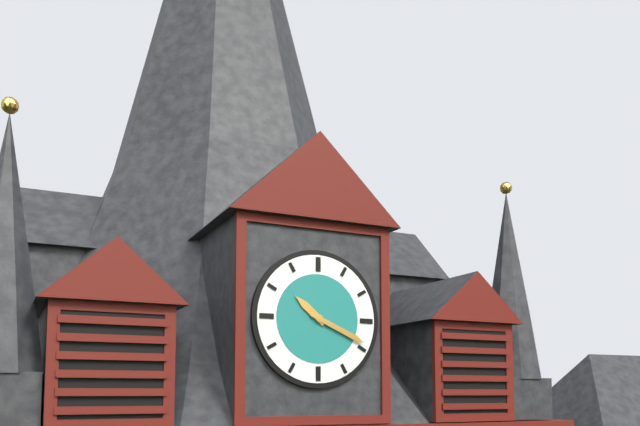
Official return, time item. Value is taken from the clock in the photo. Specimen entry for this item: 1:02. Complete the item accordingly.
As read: 10:19
